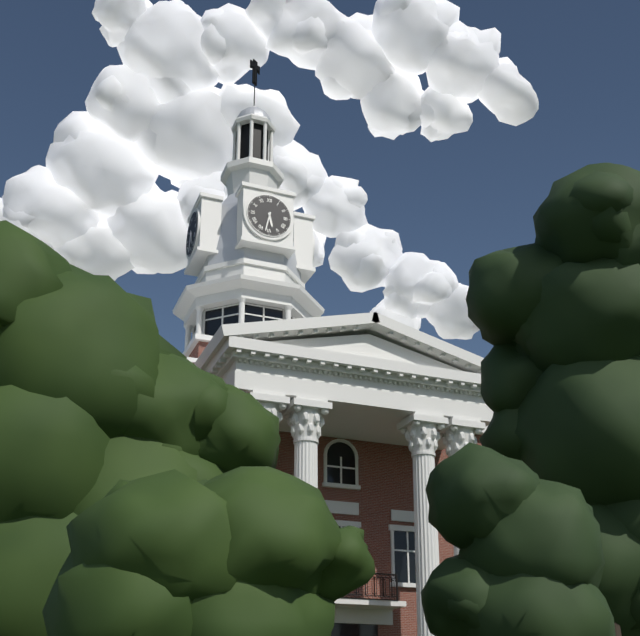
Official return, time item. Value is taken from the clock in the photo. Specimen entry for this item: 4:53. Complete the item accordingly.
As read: 5:32
